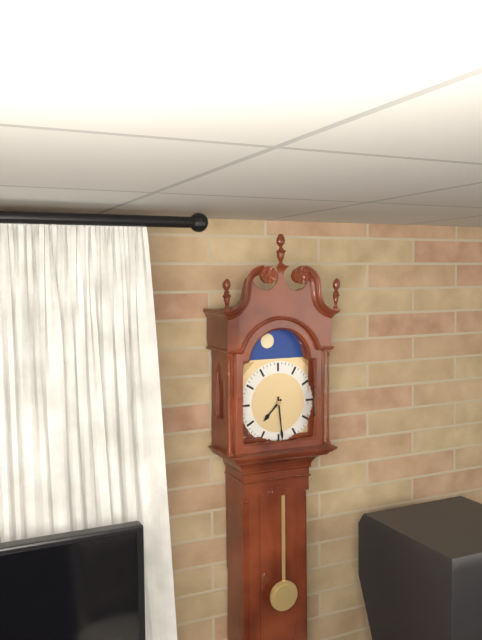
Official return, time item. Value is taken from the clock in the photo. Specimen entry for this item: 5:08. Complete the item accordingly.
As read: 7:29
